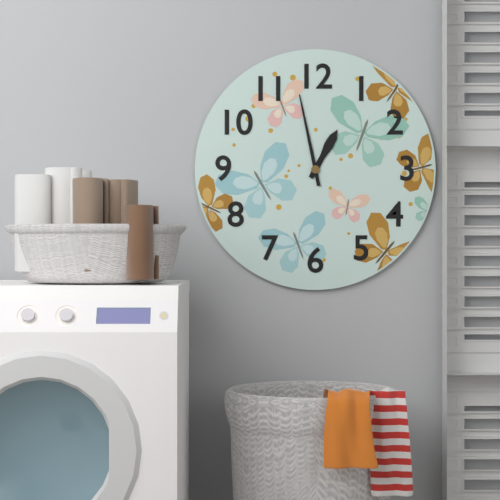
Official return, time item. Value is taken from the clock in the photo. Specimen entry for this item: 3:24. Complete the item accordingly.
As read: 12:58
